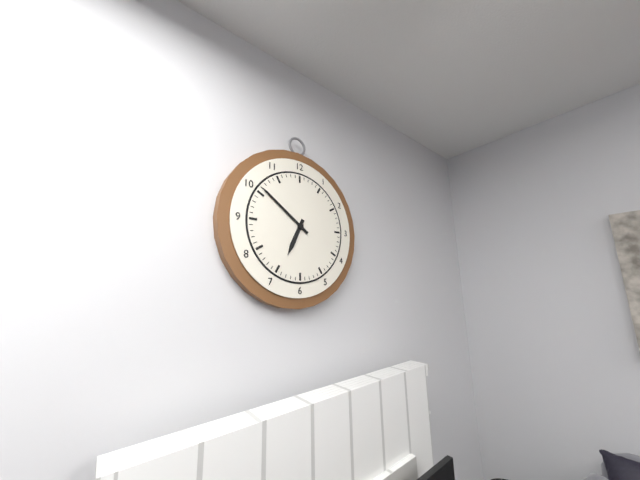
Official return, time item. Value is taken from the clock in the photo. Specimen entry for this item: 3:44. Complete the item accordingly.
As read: 6:51
